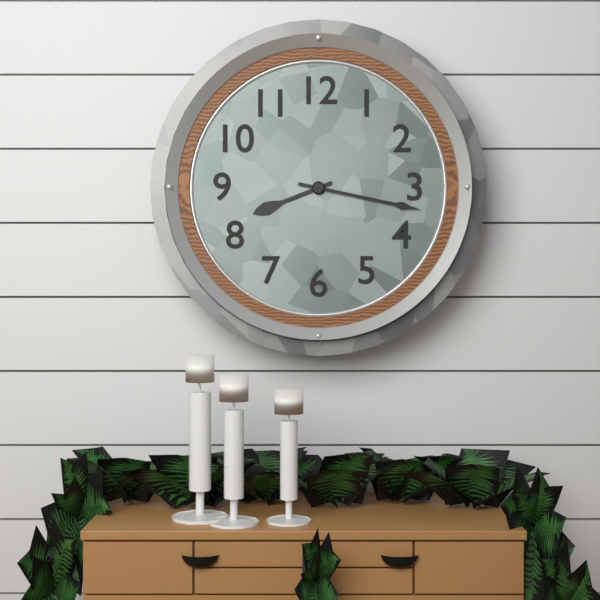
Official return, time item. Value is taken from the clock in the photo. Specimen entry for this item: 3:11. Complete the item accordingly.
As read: 8:17
